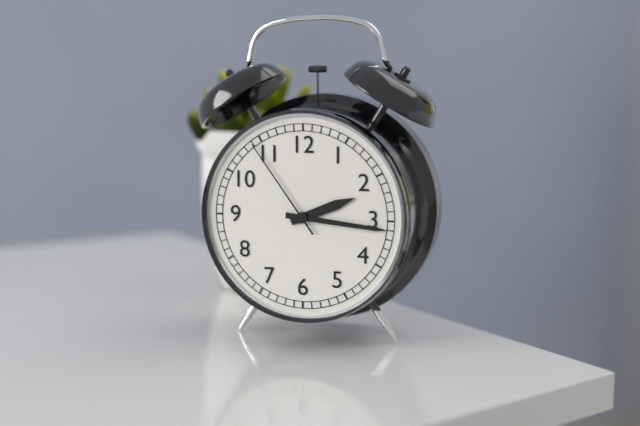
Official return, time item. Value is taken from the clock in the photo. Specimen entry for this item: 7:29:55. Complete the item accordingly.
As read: 2:16:54
